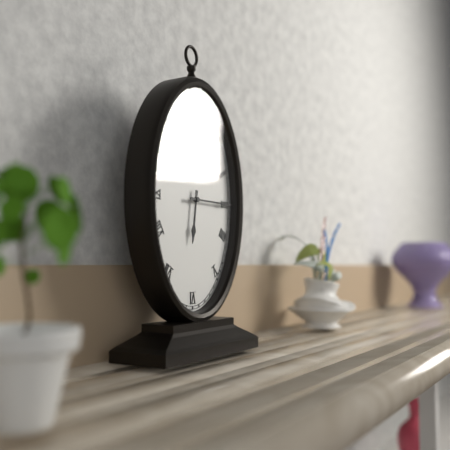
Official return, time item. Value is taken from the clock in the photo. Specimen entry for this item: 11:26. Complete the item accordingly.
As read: 6:15
